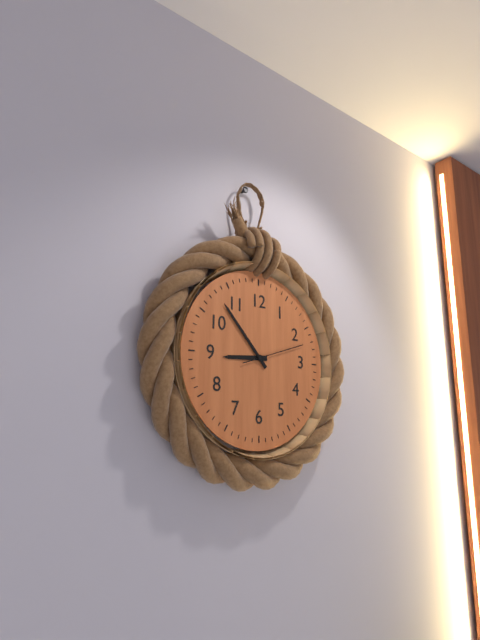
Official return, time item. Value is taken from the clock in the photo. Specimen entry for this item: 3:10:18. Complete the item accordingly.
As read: 8:53:12
